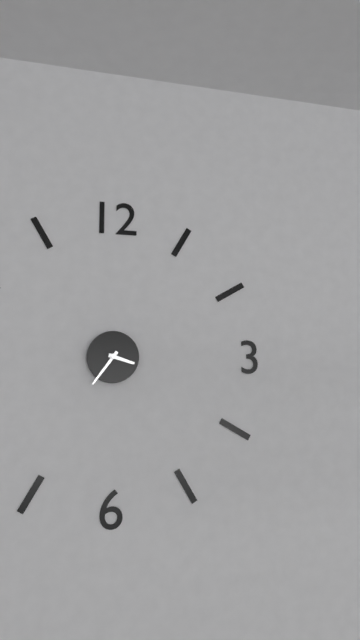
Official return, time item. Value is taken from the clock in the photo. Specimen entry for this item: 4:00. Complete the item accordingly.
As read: 3:36
